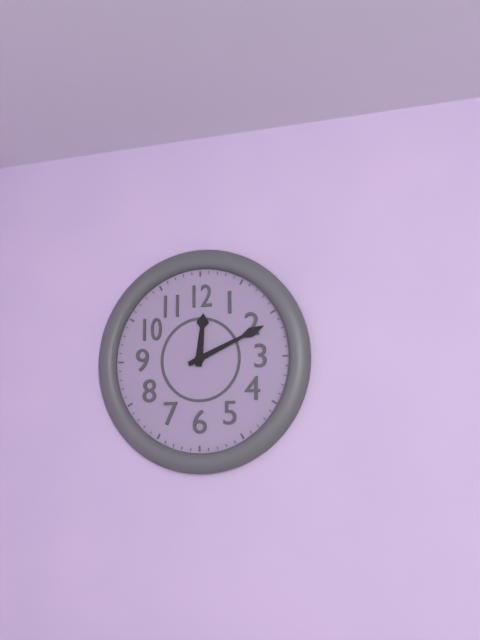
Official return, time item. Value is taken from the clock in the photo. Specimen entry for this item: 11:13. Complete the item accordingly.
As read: 12:11
